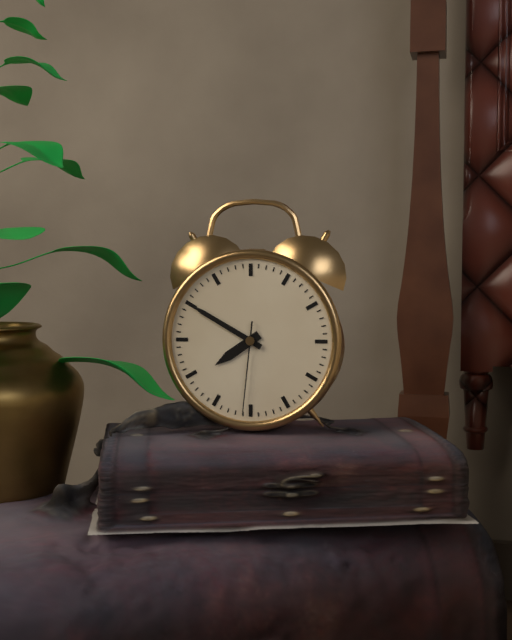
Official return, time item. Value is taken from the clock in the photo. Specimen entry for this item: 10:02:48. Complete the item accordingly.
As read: 7:50:31
